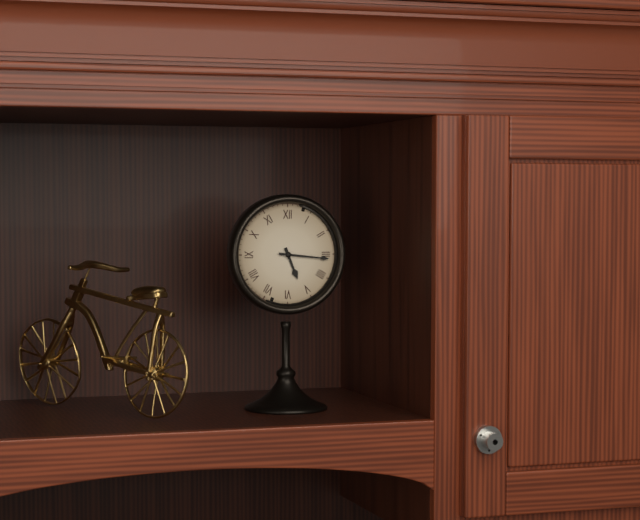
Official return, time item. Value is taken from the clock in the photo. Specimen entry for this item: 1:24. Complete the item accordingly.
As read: 5:16
